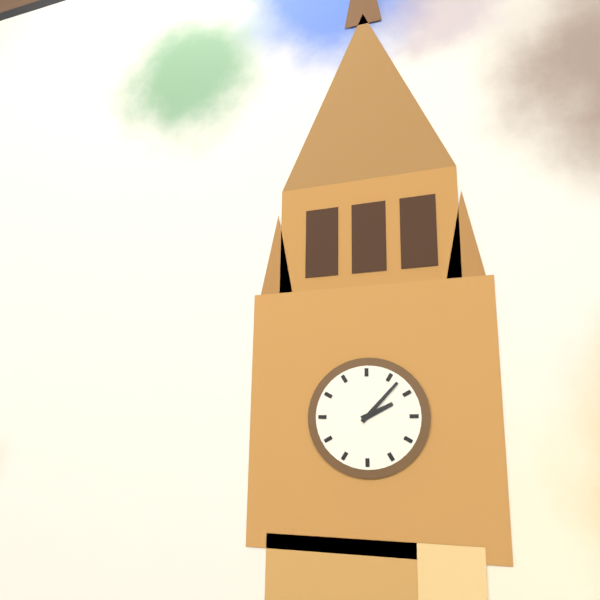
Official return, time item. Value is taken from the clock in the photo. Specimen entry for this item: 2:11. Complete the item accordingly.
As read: 2:07
